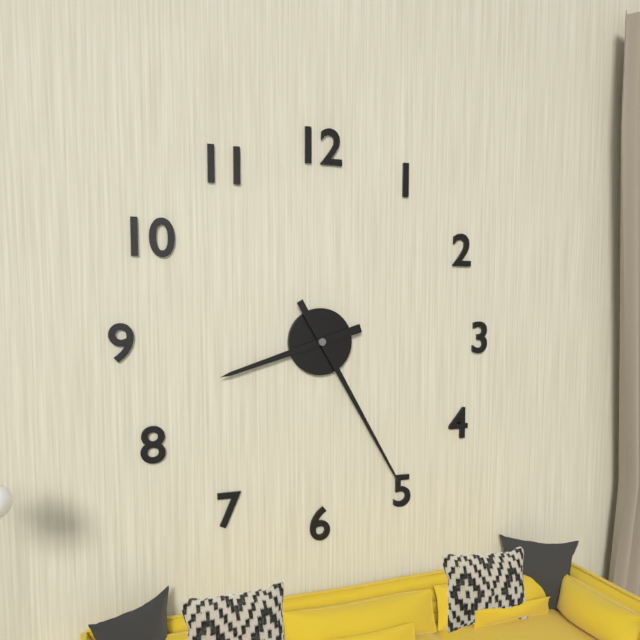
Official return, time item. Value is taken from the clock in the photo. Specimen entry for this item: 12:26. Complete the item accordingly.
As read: 8:25
